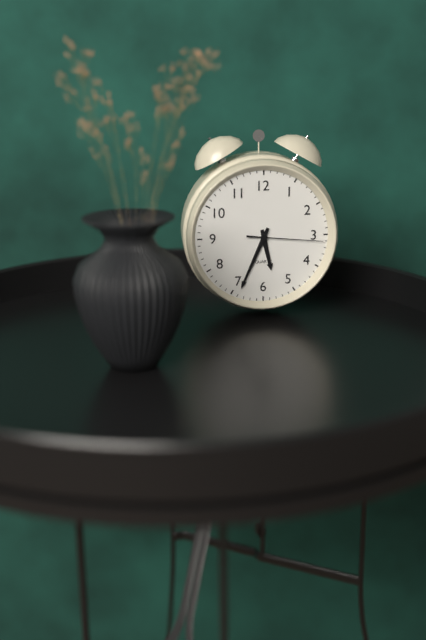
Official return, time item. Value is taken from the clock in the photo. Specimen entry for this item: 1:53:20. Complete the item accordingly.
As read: 5:34:16
